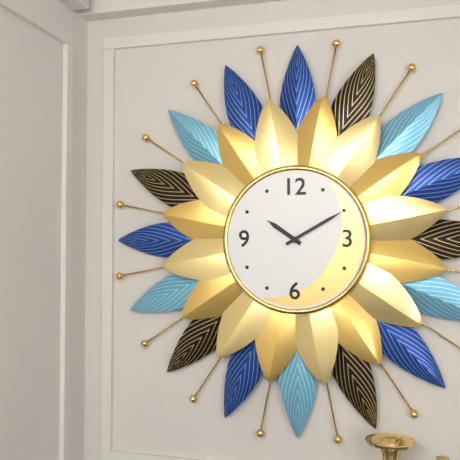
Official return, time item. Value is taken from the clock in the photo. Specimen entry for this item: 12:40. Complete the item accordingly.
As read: 10:10
